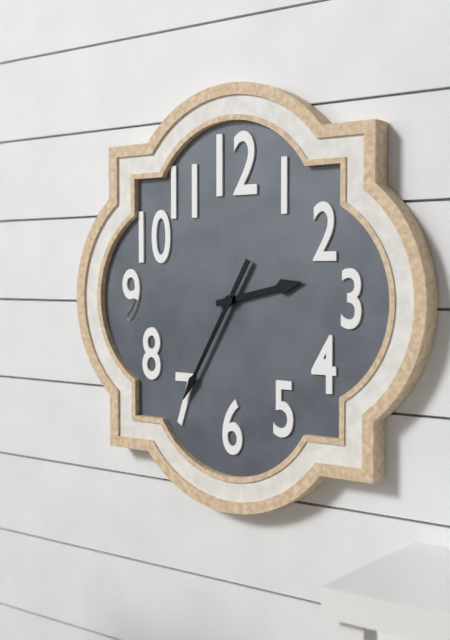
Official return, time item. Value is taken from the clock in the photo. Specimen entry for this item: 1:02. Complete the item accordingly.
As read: 2:35
